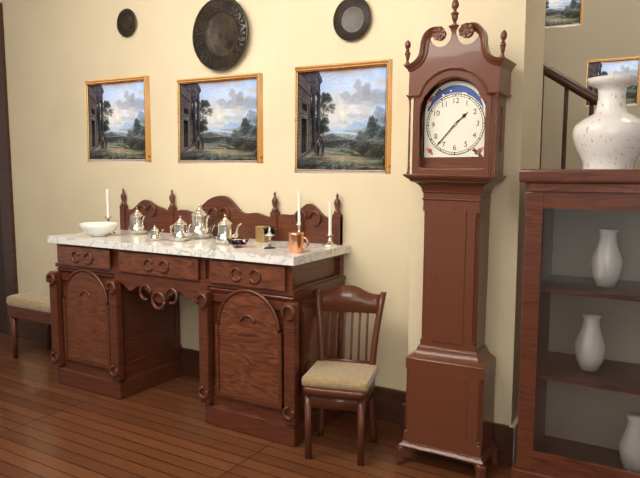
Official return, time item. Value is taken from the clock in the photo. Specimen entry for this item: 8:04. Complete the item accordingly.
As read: 1:37
